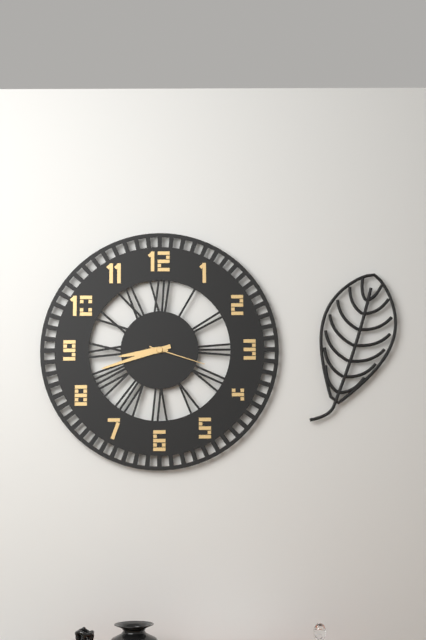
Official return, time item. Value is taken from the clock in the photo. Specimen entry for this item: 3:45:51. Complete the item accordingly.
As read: 8:42:18
